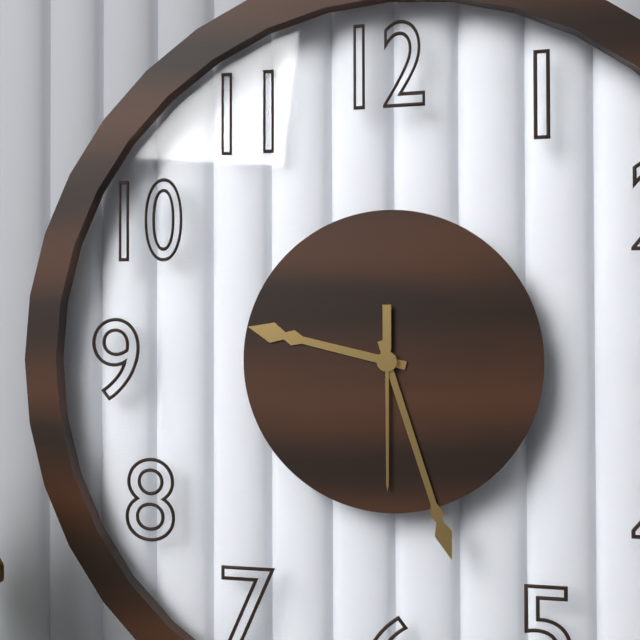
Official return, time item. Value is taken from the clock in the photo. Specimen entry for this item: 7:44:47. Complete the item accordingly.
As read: 9:27:30
